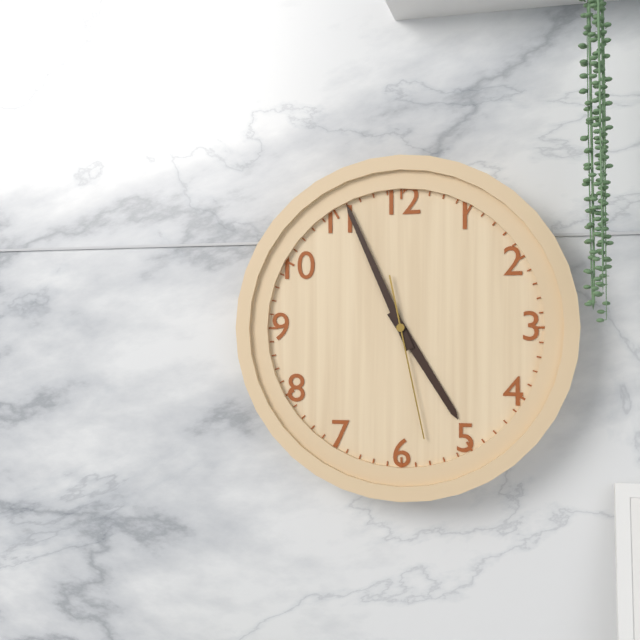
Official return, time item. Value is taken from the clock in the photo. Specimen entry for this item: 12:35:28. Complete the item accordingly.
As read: 4:56:28
